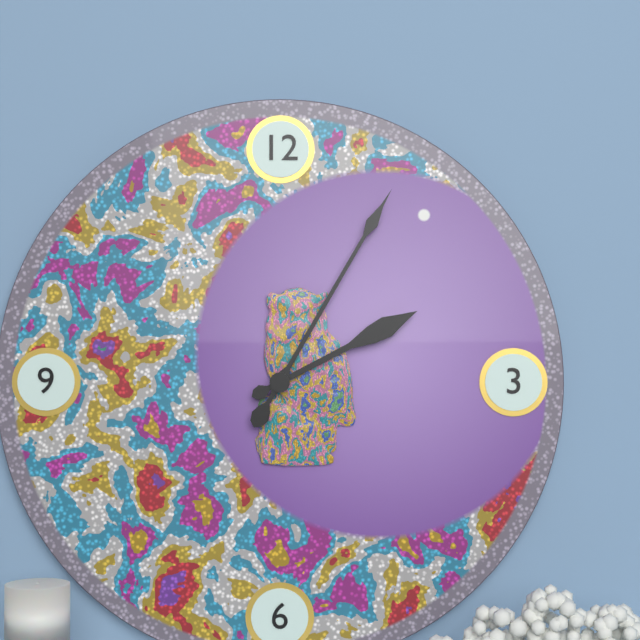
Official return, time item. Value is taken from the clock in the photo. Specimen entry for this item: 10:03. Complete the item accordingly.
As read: 2:05
